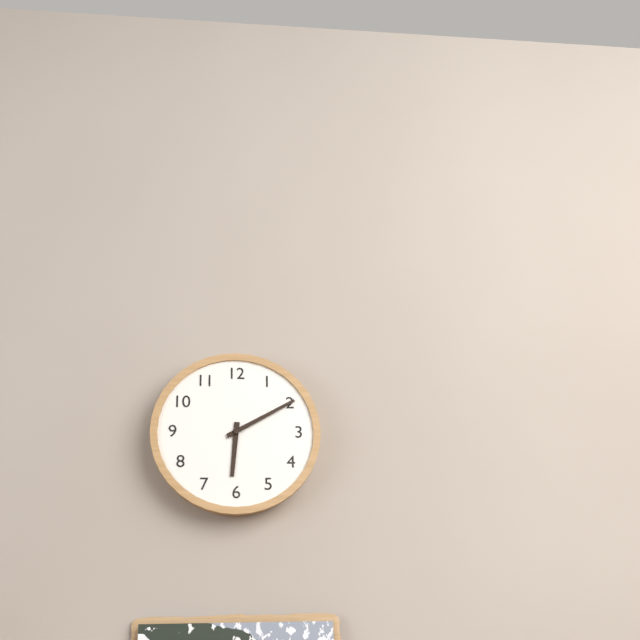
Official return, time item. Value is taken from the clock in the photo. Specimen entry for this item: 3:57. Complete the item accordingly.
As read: 6:10
